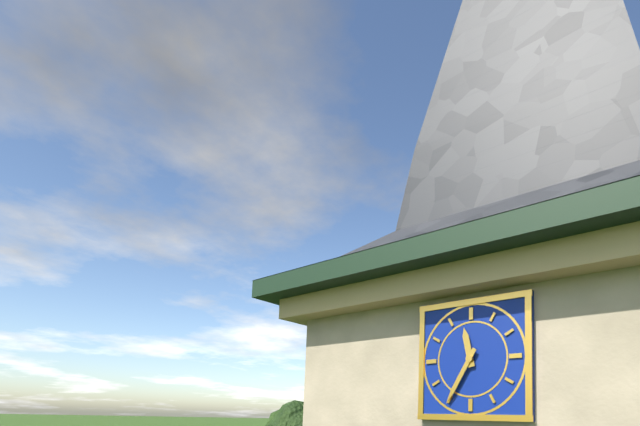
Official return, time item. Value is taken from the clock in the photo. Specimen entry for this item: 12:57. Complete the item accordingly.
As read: 11:35
